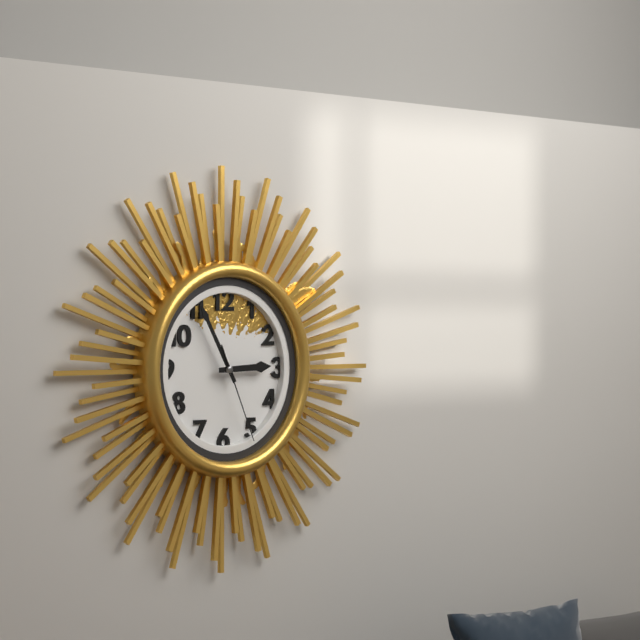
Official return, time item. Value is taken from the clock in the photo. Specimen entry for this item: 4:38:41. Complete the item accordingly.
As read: 2:55:26
